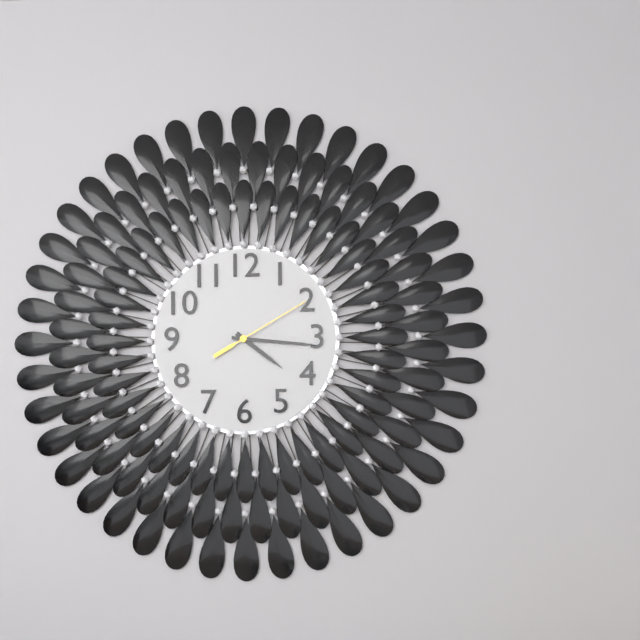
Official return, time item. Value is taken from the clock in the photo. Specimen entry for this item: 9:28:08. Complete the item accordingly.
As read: 4:16:10
